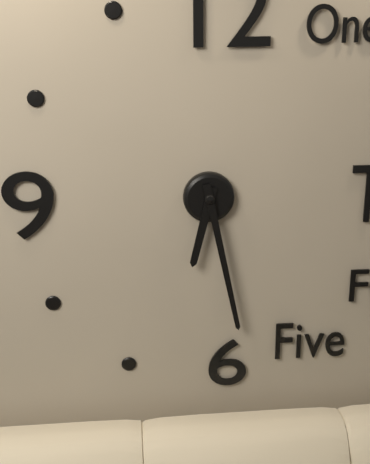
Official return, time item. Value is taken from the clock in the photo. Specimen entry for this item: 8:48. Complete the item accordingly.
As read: 6:28
